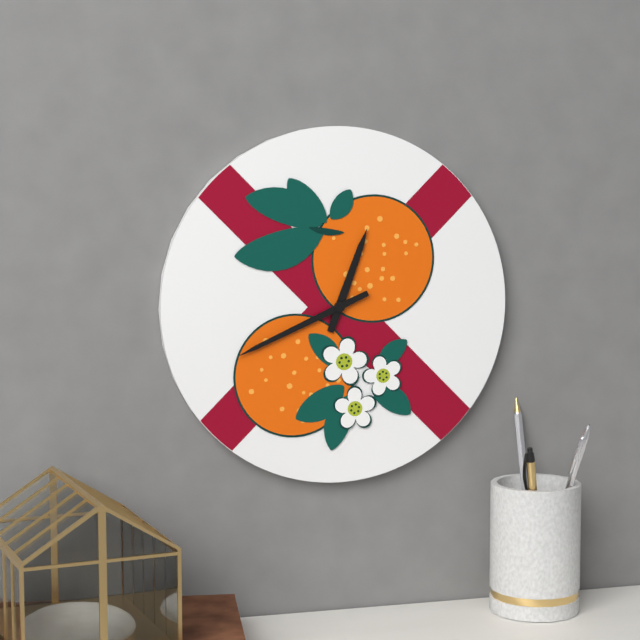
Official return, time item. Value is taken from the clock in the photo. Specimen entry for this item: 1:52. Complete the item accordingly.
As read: 12:41
